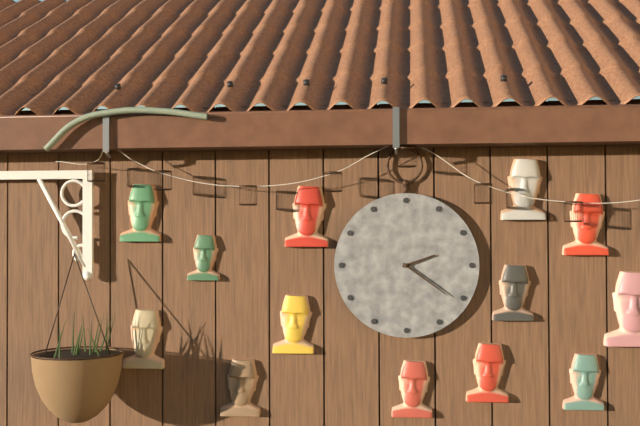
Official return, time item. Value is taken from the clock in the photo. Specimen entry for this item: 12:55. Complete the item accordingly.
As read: 2:21
